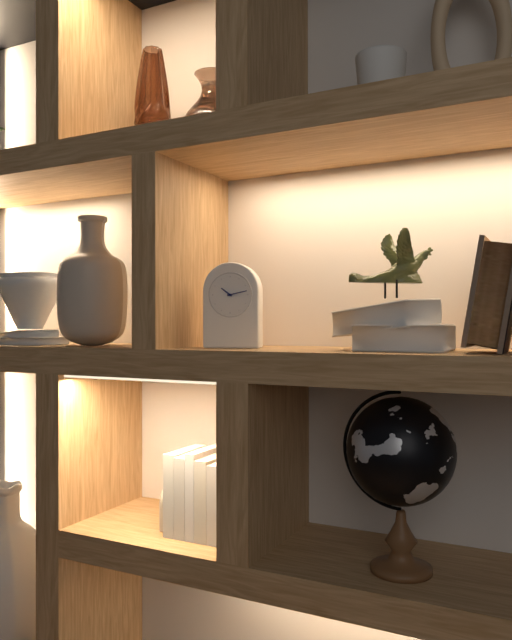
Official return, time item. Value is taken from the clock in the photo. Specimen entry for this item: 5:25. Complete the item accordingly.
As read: 10:13
